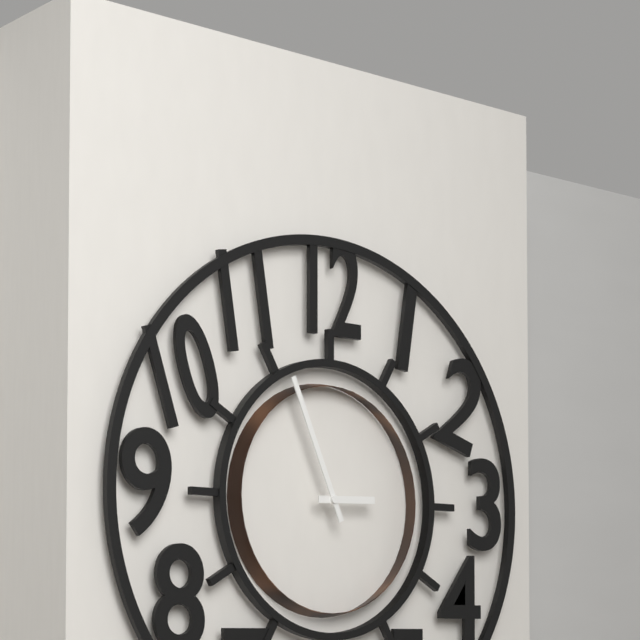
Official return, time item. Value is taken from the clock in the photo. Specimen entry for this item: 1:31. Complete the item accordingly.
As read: 2:56
